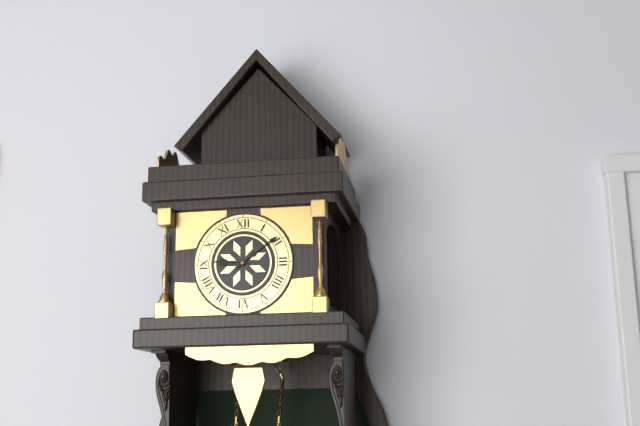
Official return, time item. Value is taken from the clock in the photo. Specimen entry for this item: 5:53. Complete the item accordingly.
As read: 9:09
